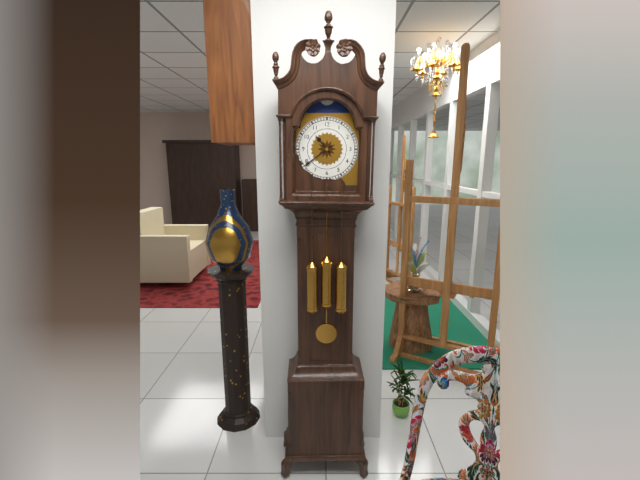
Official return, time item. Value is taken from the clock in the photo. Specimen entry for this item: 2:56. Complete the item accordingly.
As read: 10:39
